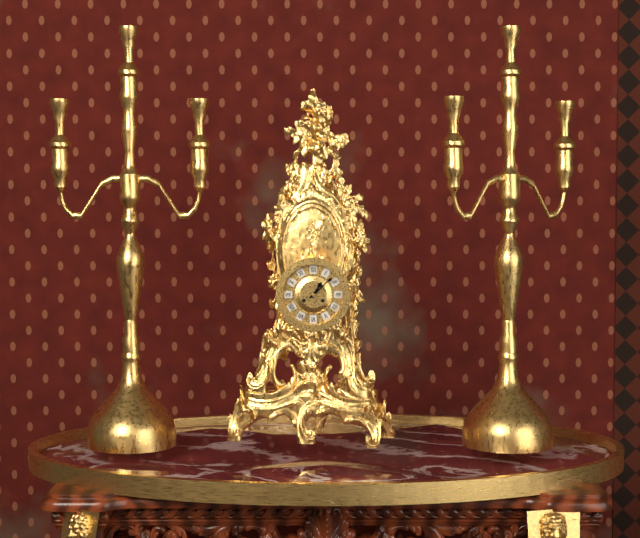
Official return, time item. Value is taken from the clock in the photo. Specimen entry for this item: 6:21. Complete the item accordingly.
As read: 1:08
